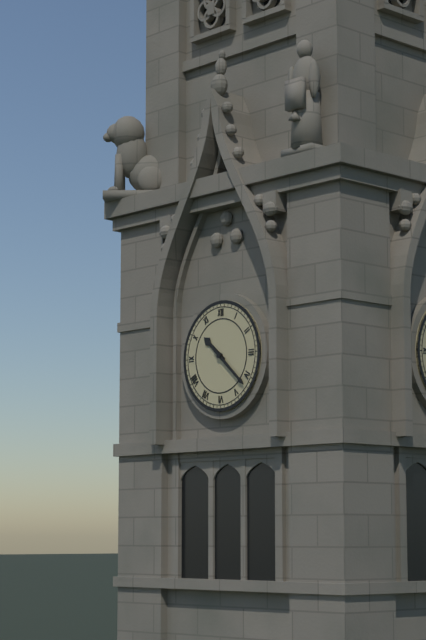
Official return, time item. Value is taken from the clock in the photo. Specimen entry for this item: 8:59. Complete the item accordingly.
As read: 10:22
